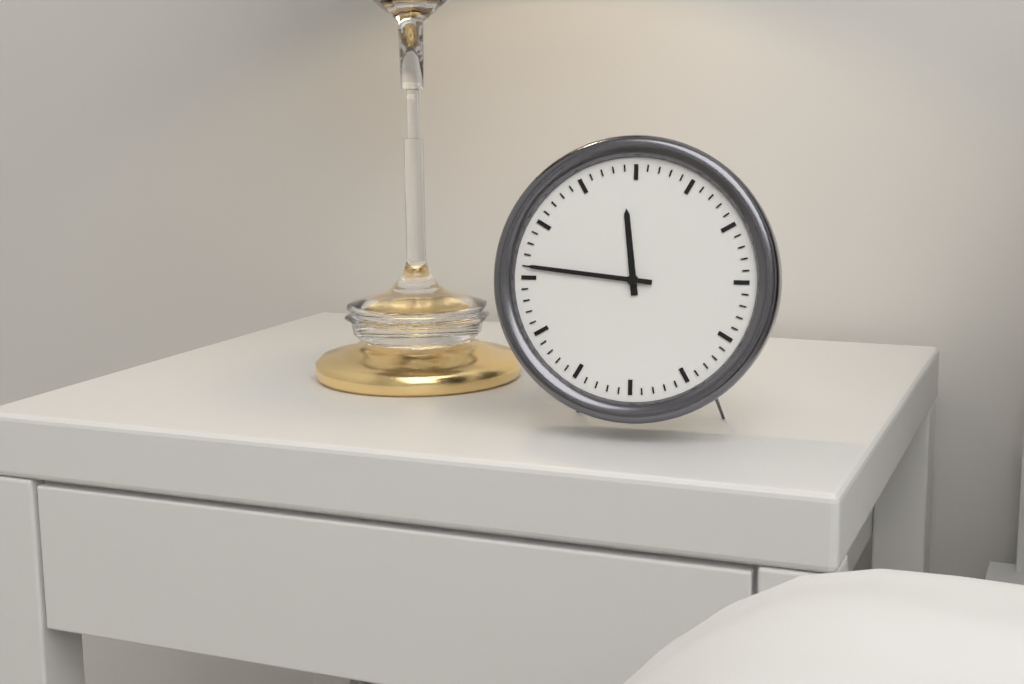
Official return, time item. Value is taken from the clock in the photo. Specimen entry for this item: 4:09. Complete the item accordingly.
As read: 11:46
